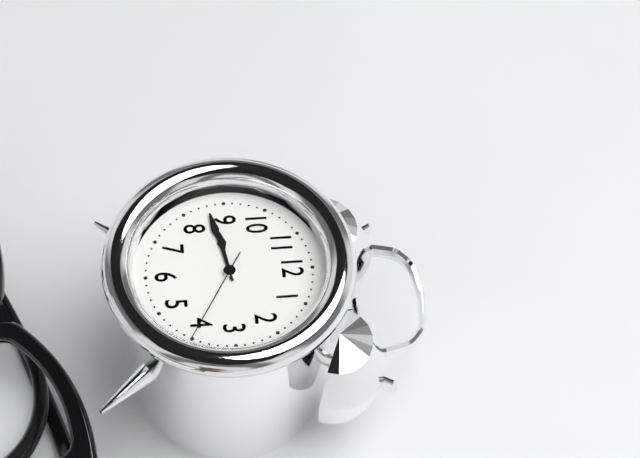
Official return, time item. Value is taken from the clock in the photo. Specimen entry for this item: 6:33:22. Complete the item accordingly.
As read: 8:43:20
